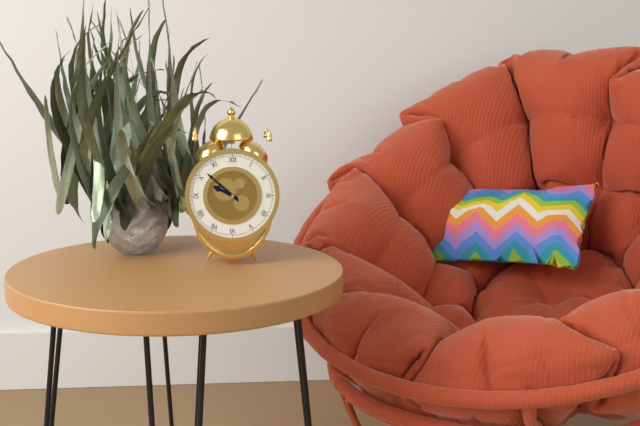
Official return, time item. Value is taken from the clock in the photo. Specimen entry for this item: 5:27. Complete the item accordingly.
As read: 9:52
